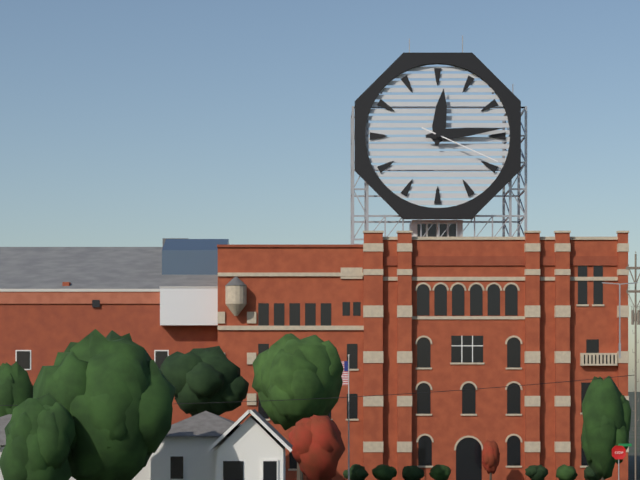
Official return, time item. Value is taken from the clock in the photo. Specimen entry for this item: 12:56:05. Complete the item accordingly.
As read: 12:14:19
